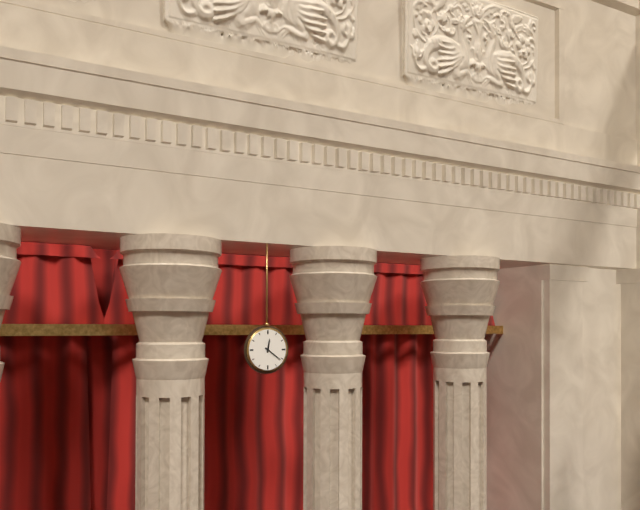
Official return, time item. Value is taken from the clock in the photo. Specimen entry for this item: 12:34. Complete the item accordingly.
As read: 12:21
